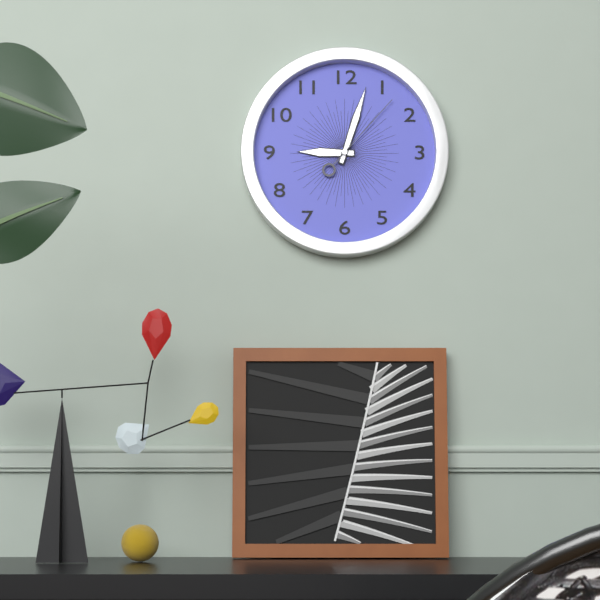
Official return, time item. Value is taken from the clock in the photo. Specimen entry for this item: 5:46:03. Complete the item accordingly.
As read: 9:03:07
